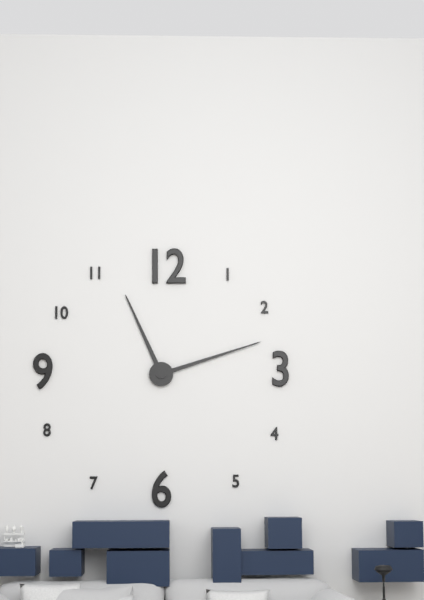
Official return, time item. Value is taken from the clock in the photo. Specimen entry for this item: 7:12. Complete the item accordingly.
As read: 11:12
